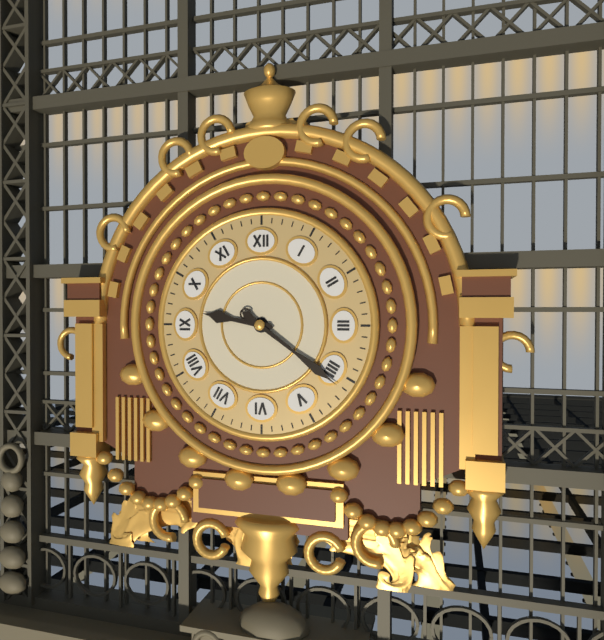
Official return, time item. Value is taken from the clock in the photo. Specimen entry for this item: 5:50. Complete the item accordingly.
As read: 9:21
